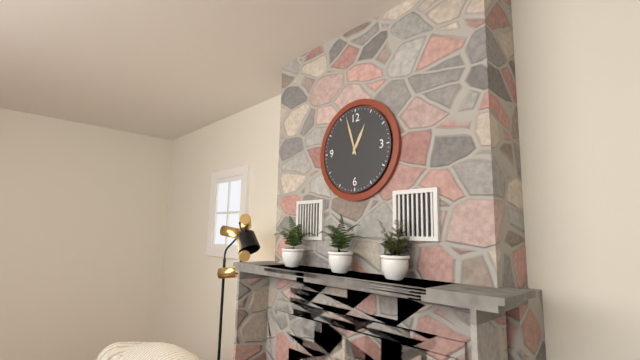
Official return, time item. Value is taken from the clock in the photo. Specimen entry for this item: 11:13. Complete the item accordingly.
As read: 12:57
